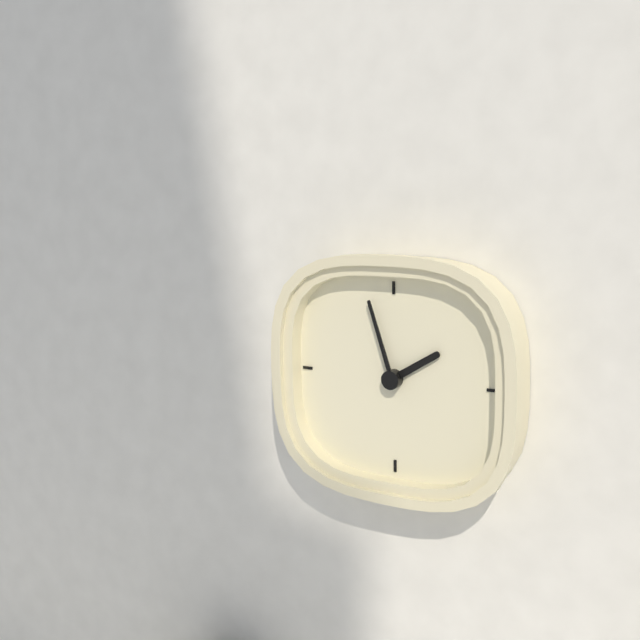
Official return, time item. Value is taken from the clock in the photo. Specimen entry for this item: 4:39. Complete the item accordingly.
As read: 1:57
